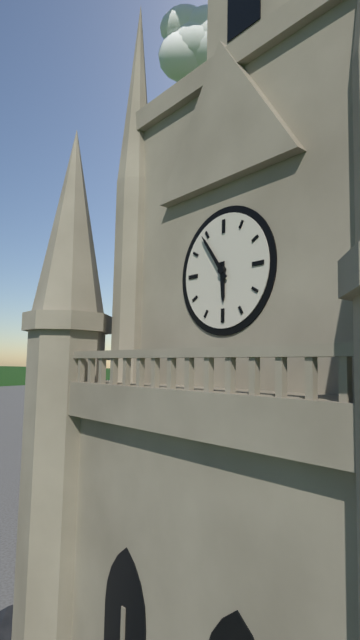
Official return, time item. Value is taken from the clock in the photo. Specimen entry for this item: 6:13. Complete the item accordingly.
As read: 5:54
